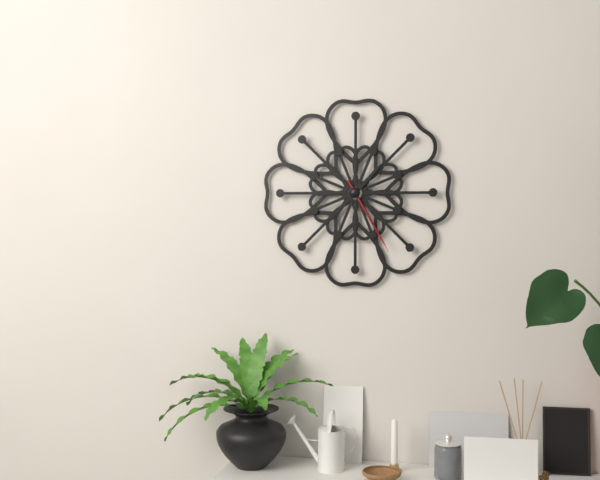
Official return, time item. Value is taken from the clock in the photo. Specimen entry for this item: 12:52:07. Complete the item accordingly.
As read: 1:25:25
